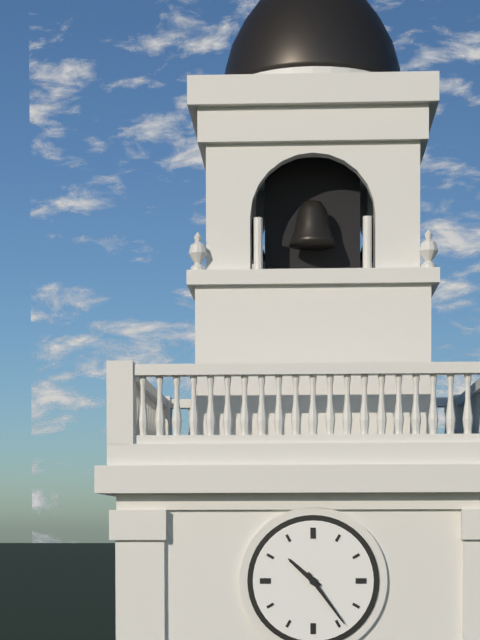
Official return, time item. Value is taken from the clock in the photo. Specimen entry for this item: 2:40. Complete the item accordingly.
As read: 10:24
